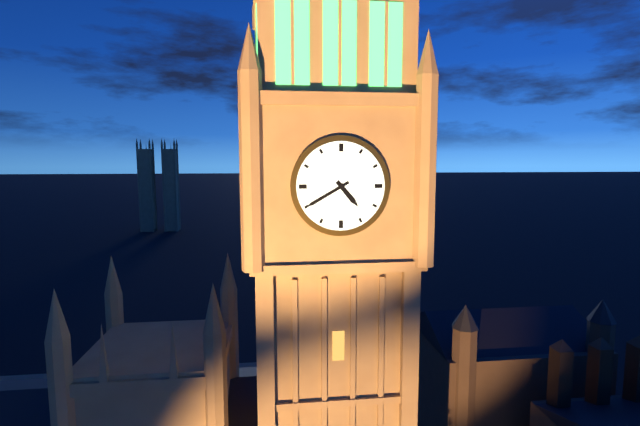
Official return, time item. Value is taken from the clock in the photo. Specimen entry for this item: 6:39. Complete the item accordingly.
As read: 4:40
